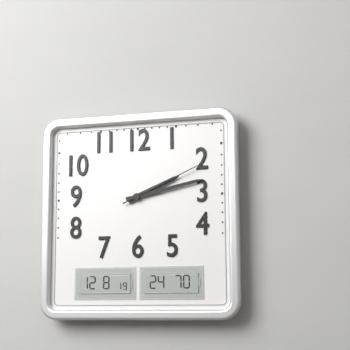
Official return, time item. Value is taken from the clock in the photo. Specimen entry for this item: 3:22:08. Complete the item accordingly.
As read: 2:13:11
